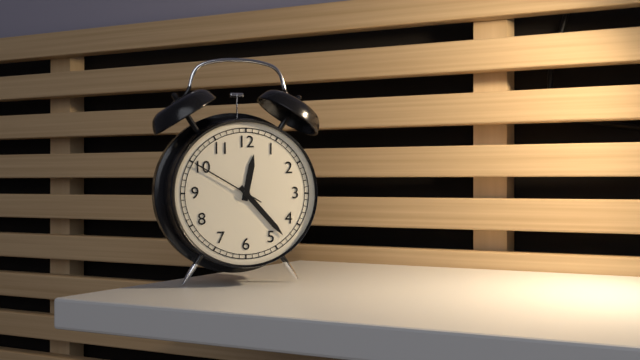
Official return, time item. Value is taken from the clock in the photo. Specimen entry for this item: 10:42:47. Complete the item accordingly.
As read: 12:23:50
